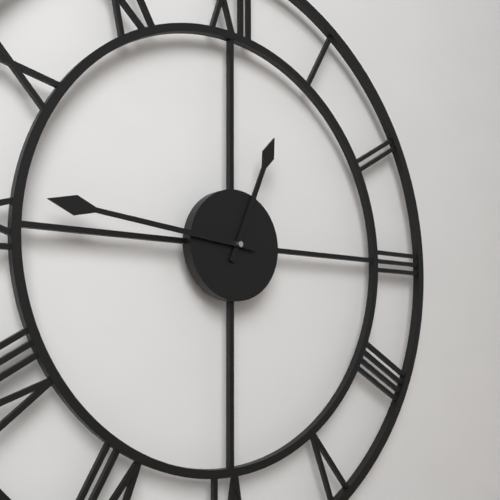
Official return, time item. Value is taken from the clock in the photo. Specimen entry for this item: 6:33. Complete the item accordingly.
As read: 12:46
